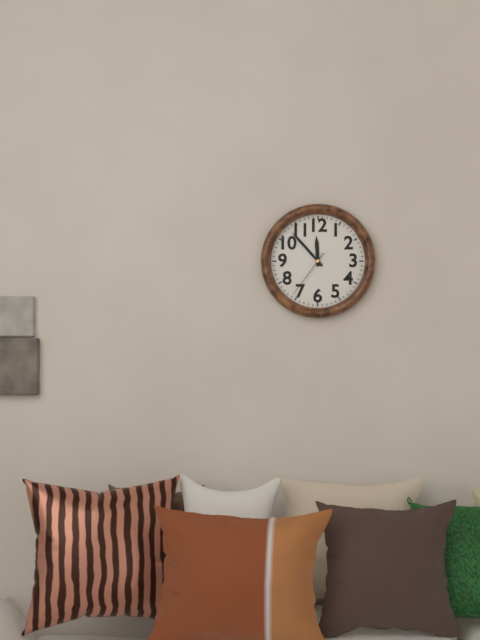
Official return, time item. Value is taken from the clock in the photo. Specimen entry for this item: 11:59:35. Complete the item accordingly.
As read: 11:53:36
